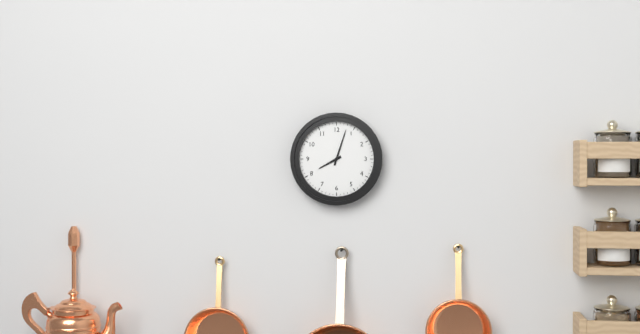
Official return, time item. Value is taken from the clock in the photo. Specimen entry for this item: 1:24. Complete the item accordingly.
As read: 8:03
